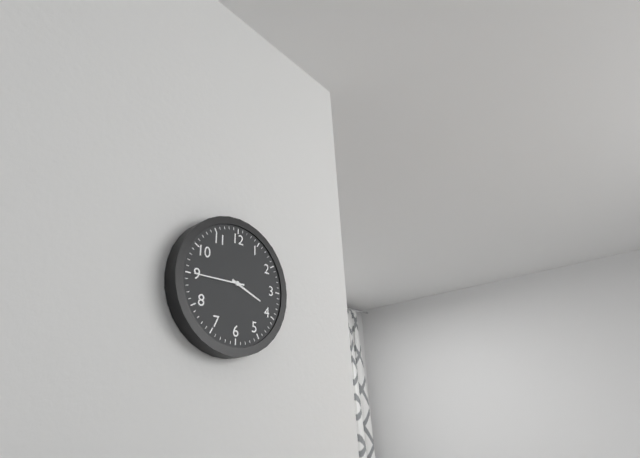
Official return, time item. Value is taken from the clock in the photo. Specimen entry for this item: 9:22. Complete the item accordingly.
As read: 3:45
